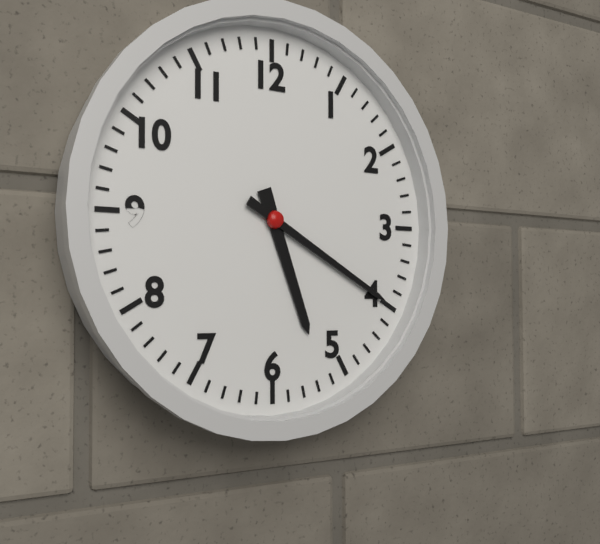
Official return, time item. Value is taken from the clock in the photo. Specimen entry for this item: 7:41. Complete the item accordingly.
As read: 5:20
